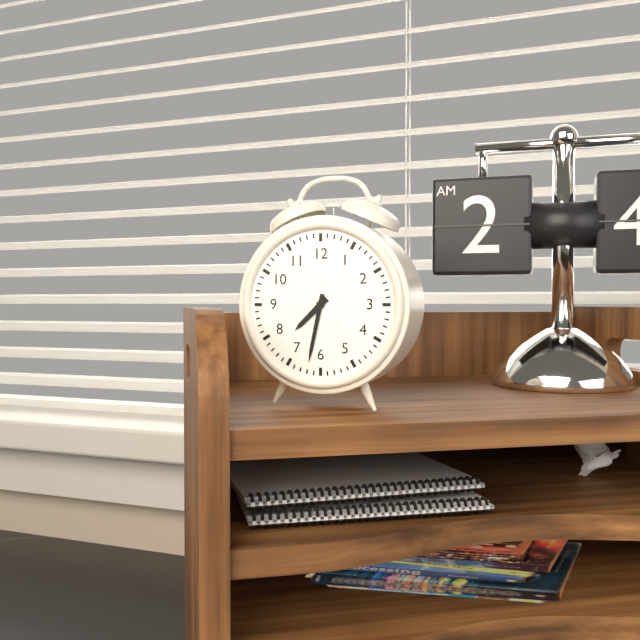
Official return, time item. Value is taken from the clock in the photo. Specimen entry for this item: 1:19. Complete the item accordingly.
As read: 7:32
